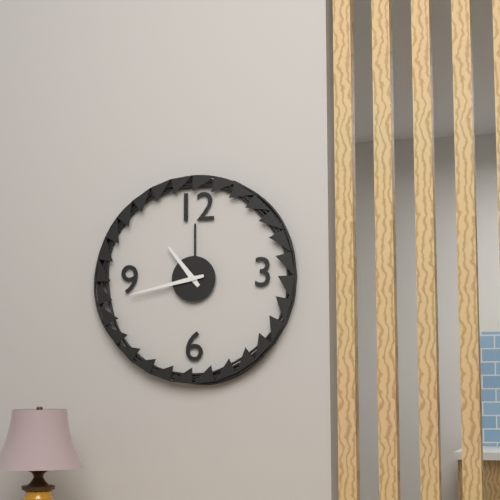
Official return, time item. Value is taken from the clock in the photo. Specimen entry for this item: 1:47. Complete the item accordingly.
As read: 10:43
